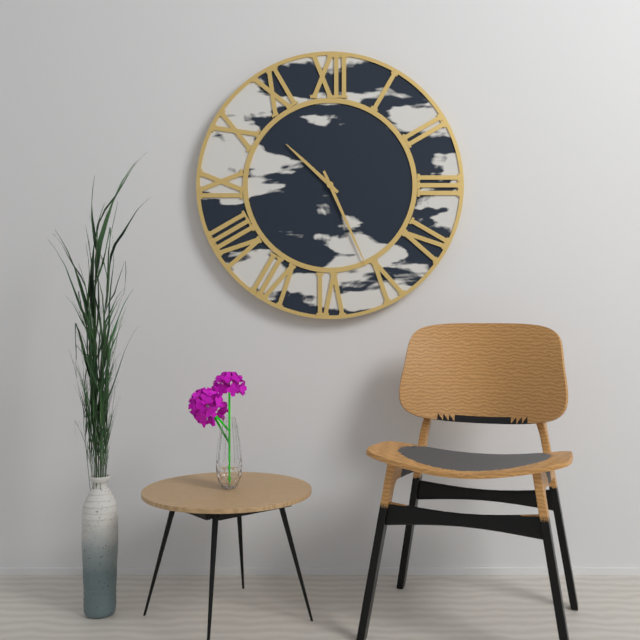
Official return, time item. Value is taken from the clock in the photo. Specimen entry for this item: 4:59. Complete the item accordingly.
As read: 10:26
